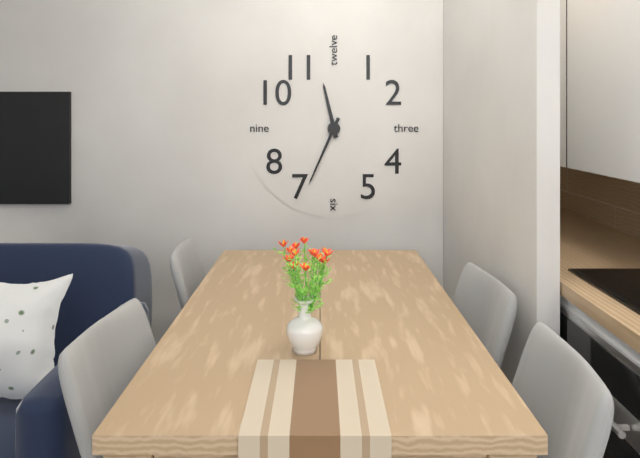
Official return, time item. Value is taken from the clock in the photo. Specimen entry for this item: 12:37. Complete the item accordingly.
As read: 11:34
